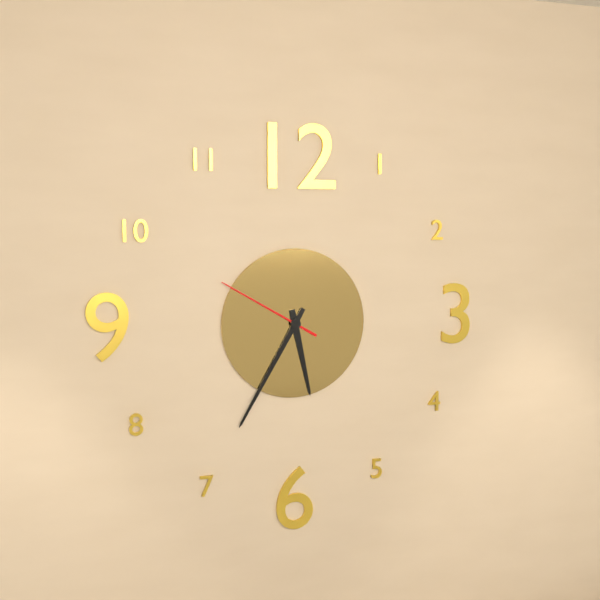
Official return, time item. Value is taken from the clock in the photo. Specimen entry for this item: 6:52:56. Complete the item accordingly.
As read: 5:35:50
